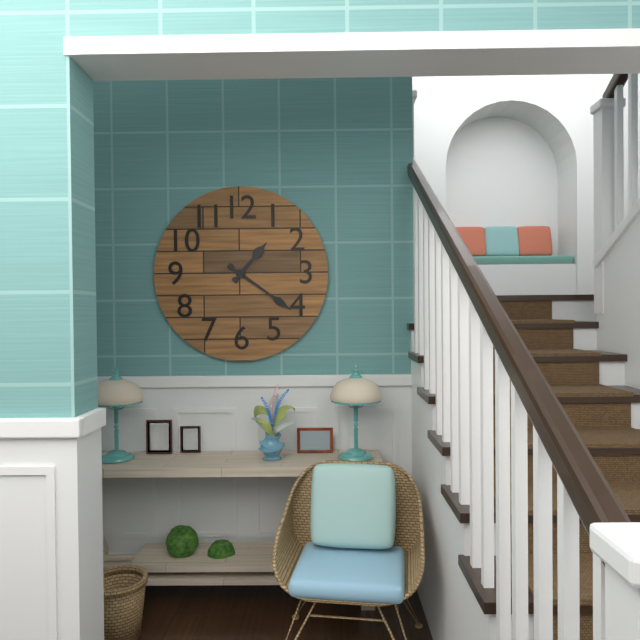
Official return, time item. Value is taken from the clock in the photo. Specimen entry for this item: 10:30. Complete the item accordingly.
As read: 1:21
